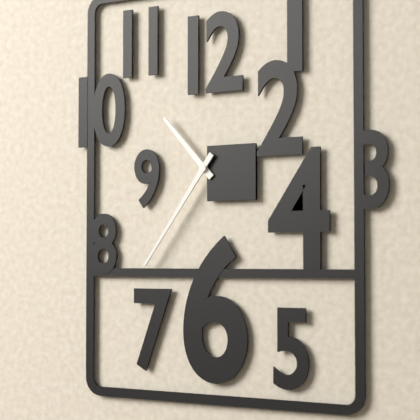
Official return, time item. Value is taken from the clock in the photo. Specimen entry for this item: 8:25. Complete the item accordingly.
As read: 10:36
